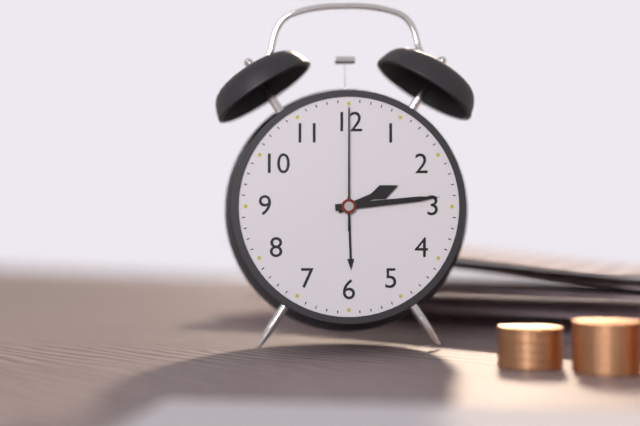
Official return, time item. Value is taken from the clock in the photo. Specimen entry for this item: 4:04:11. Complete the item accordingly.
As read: 2:14:00
